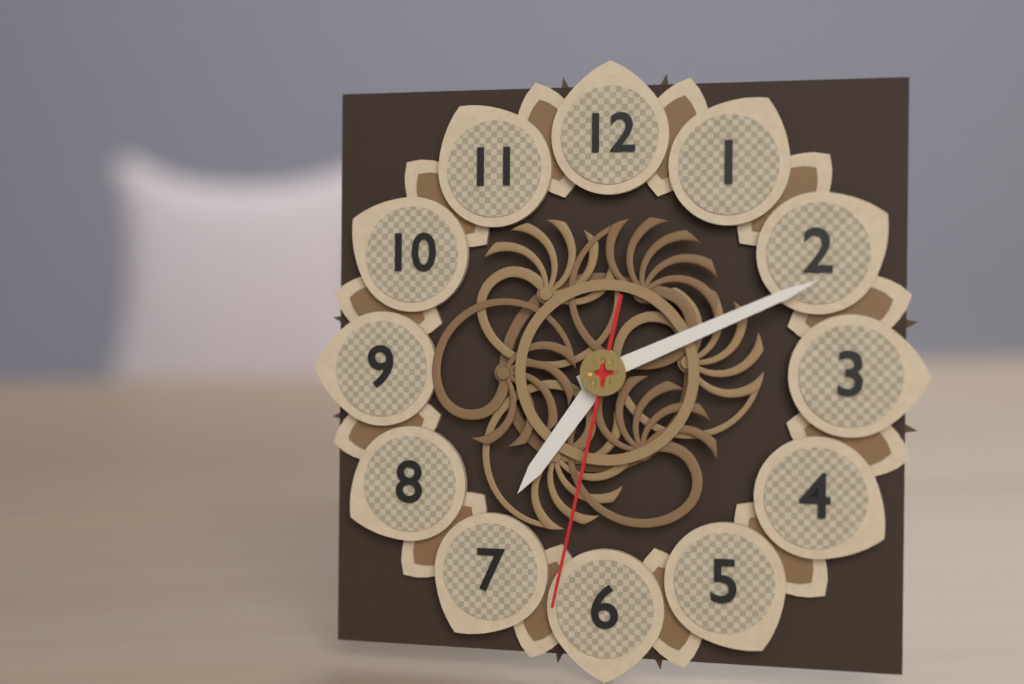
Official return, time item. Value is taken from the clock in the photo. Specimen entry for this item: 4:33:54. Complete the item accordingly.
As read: 7:11:32
